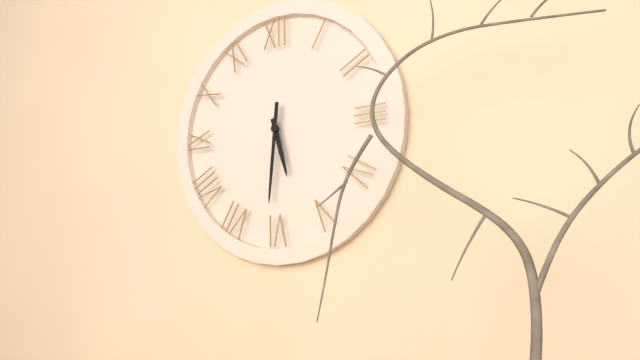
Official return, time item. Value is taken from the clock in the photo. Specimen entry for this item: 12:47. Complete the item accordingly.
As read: 5:31
